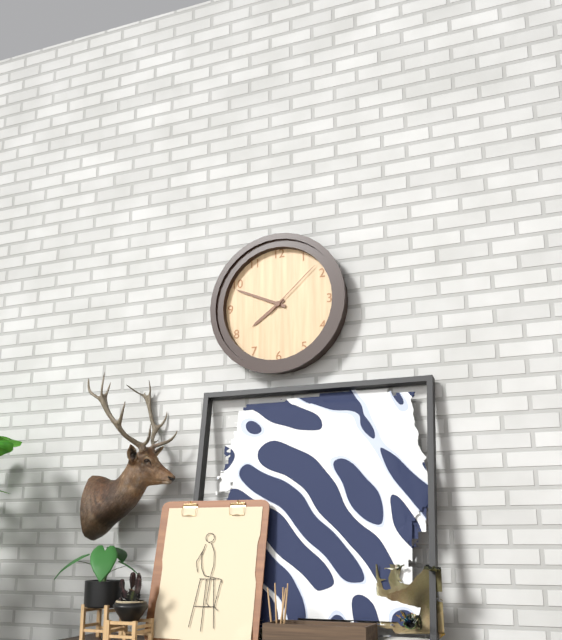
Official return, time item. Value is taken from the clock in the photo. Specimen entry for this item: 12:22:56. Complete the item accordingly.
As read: 7:49:08
